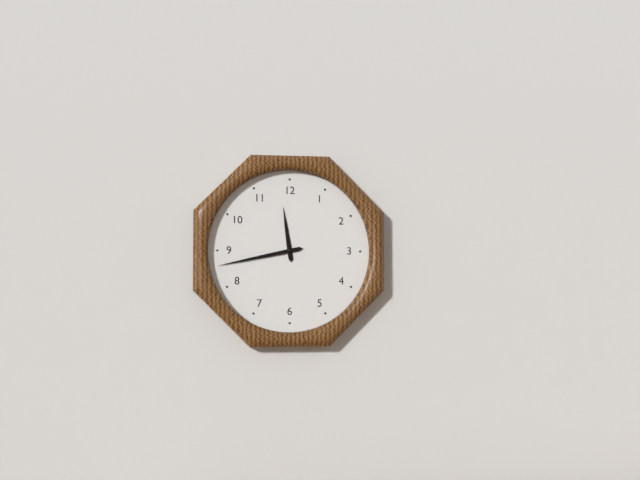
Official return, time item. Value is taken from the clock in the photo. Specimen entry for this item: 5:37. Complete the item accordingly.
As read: 11:43
